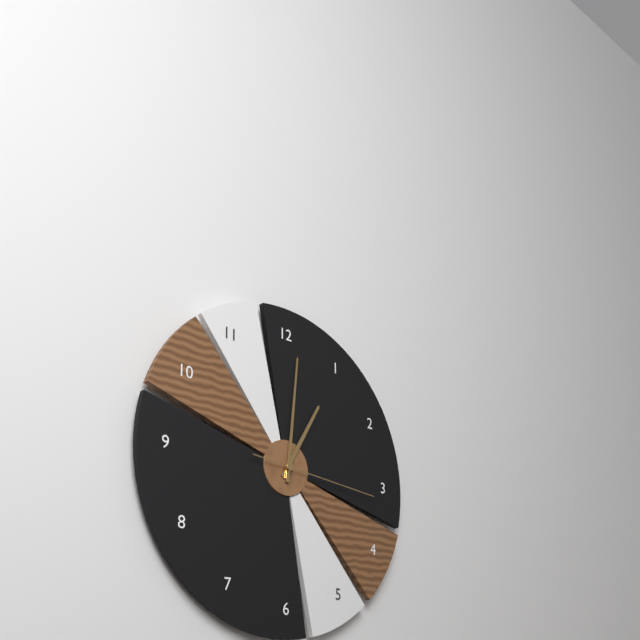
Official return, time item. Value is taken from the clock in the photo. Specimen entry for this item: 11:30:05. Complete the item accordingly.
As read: 1:01:16
